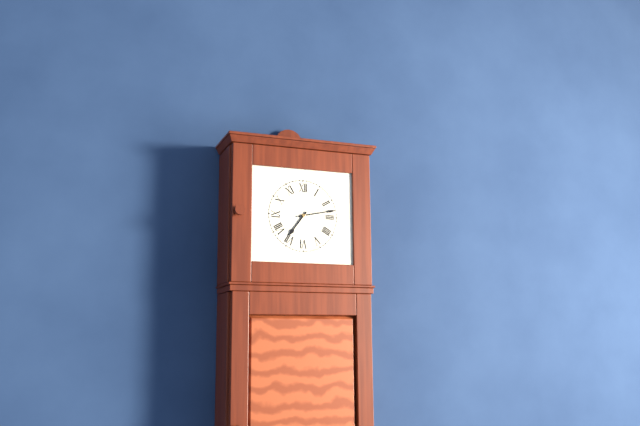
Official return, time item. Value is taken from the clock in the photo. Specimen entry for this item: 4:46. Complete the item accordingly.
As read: 7:13
